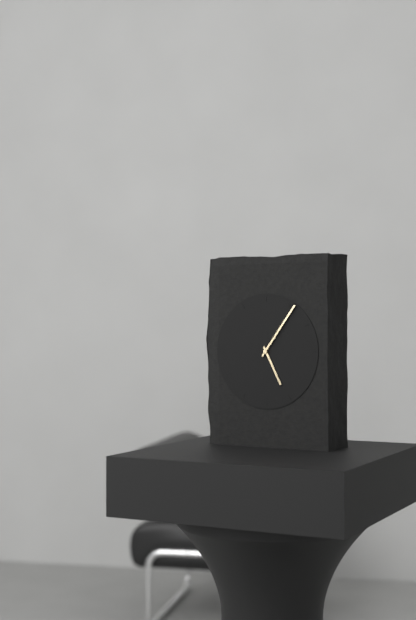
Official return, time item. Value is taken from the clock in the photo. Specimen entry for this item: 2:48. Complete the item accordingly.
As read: 5:06
